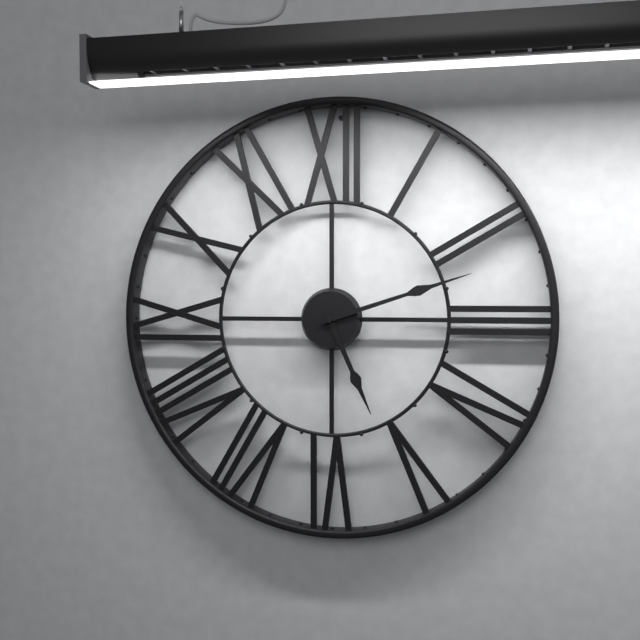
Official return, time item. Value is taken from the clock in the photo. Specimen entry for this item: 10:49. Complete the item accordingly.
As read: 5:12
